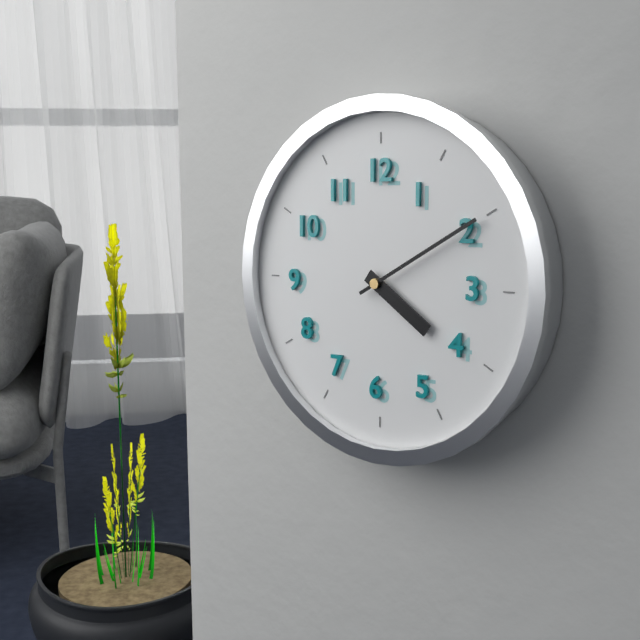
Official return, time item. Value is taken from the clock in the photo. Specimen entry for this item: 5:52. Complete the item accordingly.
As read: 4:10
